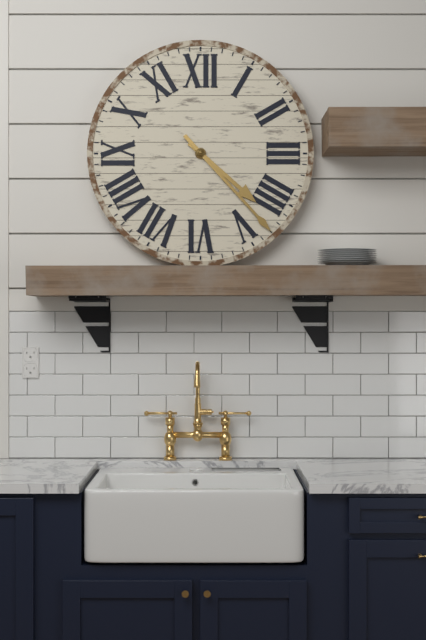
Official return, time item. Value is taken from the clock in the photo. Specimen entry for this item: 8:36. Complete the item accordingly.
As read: 4:23
